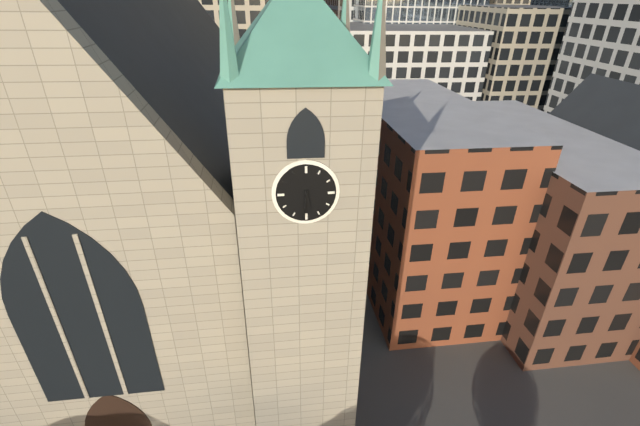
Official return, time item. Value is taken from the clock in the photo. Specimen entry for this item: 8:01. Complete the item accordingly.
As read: 5:31
